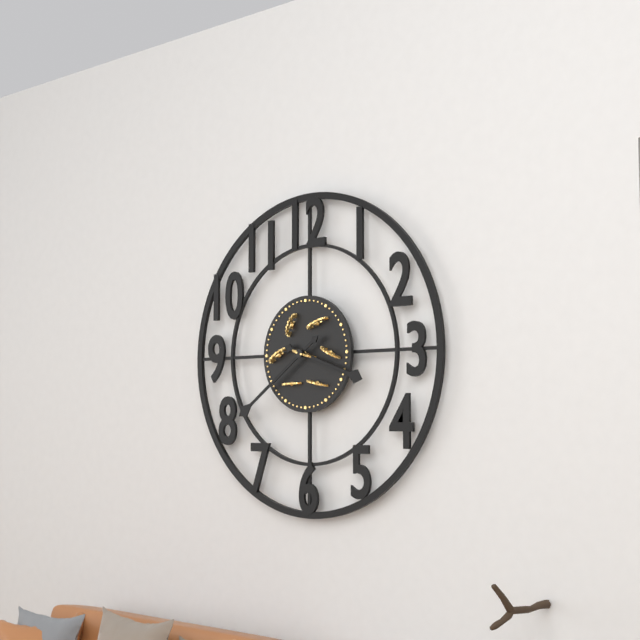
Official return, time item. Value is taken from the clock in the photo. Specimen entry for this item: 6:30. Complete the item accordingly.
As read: 3:39
